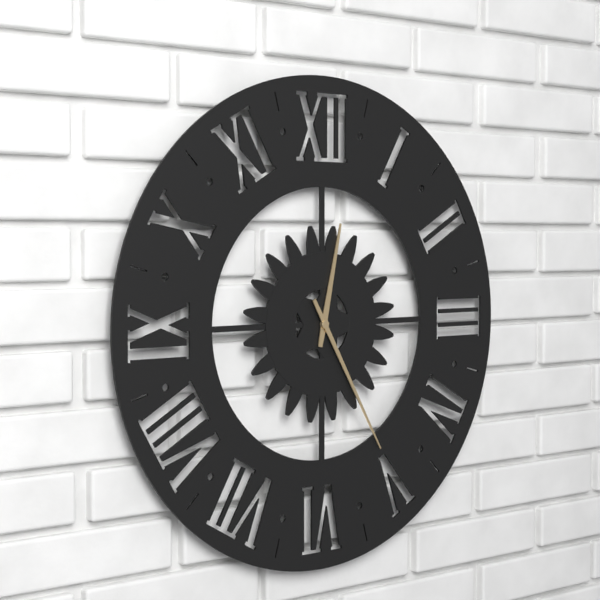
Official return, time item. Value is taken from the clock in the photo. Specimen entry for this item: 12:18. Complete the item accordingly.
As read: 12:25
